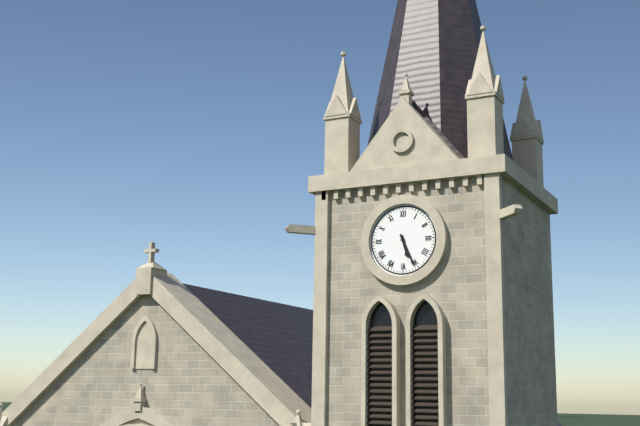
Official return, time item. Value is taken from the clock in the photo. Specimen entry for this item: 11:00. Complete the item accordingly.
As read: 5:26
